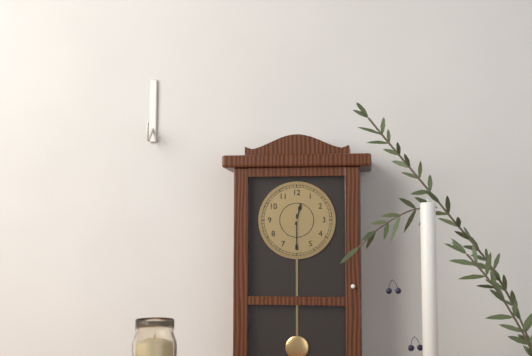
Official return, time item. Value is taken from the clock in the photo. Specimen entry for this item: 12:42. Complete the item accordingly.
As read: 12:30
